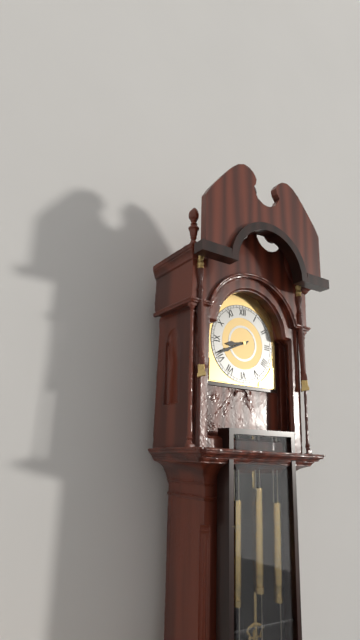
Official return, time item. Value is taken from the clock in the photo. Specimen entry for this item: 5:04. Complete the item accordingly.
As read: 8:41
